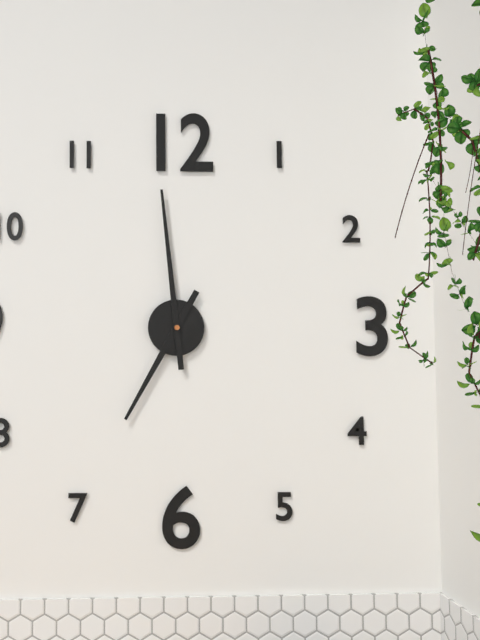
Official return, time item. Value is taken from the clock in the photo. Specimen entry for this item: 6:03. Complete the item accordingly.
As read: 6:59
